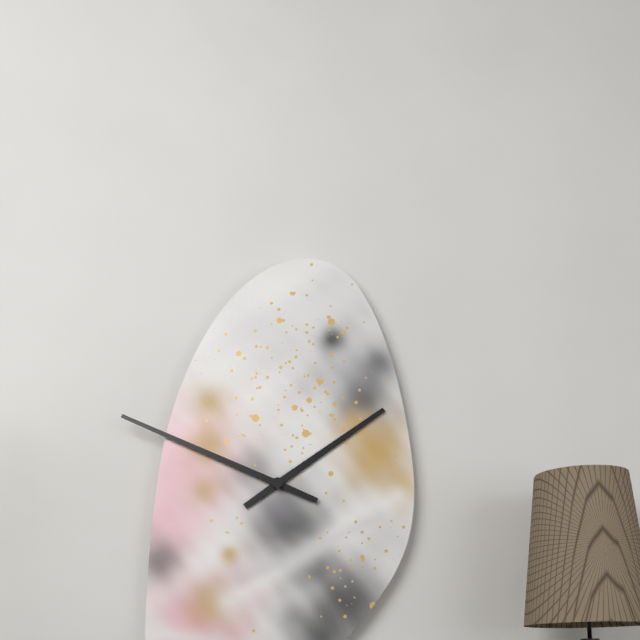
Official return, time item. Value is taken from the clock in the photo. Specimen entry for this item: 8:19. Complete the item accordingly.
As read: 1:49
